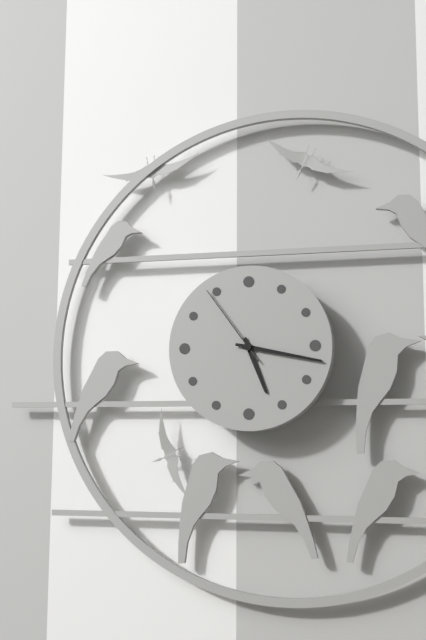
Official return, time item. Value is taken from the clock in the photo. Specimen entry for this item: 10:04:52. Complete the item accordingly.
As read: 5:17:54
